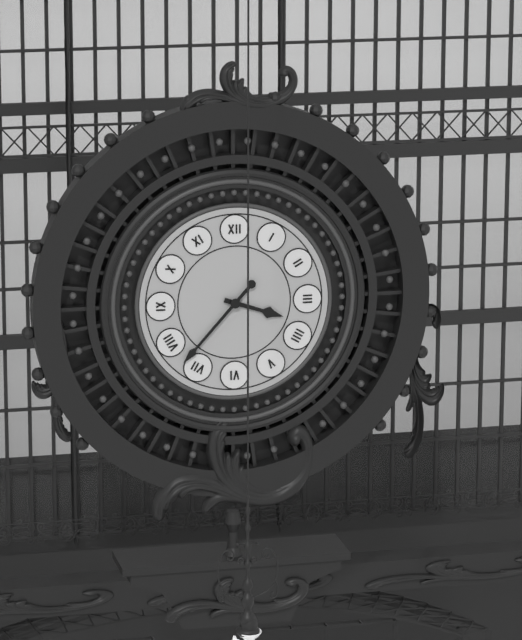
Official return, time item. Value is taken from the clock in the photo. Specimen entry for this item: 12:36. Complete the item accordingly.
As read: 3:37
